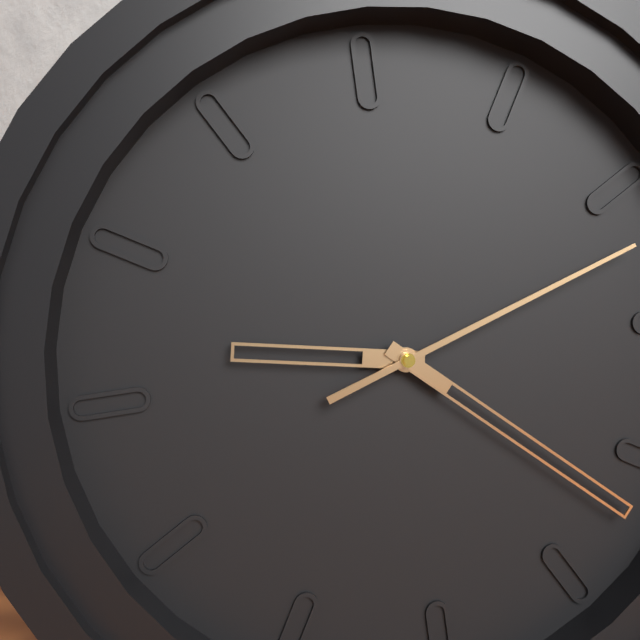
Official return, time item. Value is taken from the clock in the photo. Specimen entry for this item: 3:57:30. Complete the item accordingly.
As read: 9:22:12
